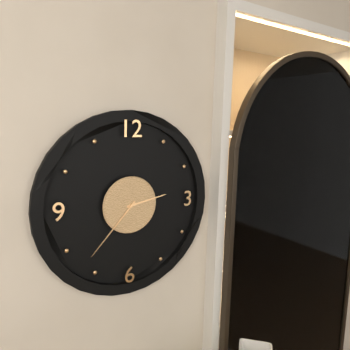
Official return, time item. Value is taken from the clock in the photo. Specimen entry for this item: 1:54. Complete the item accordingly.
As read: 2:37
